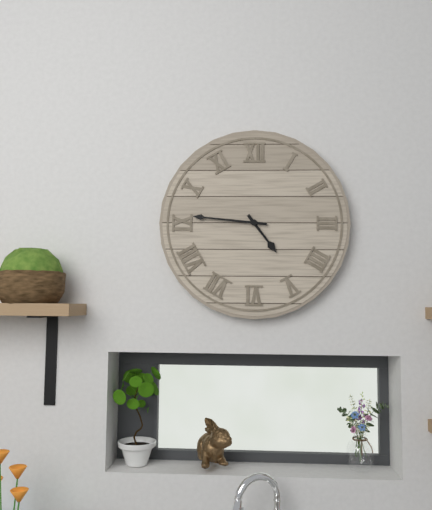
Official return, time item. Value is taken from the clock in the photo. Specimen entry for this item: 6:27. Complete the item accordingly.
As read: 4:46
